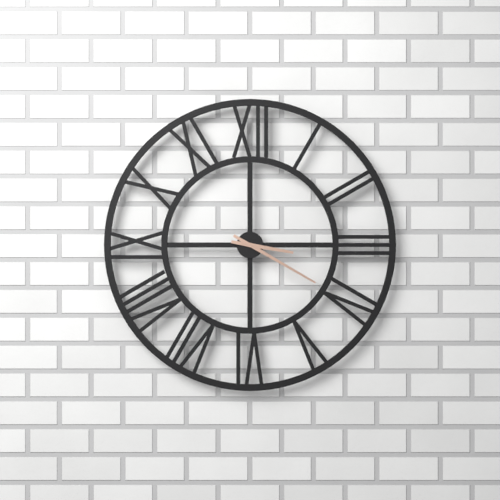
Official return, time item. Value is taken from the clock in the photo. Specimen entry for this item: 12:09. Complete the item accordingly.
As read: 3:20
